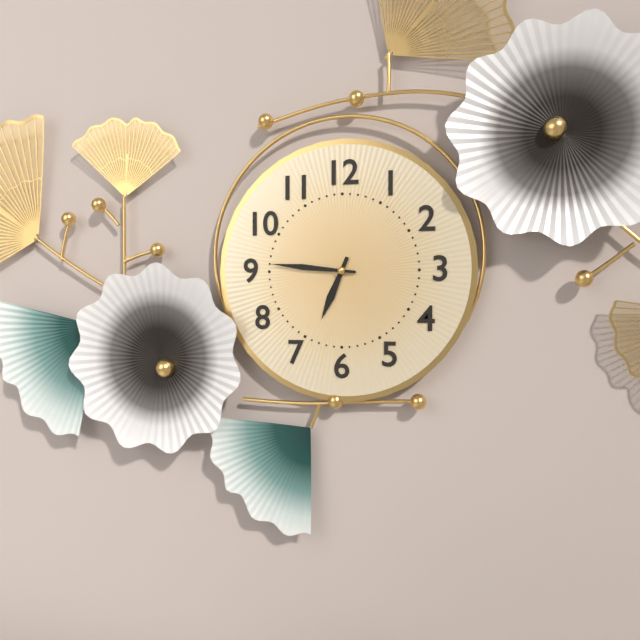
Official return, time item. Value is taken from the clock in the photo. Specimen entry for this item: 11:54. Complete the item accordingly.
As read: 6:46
